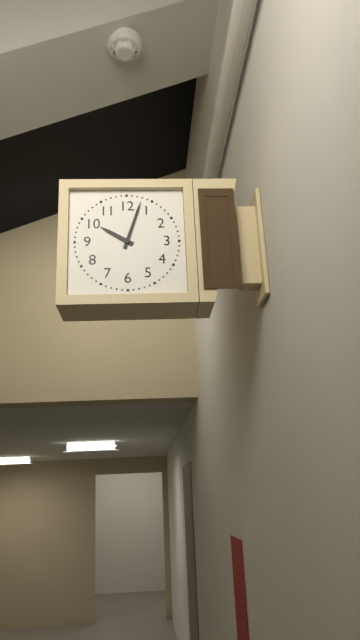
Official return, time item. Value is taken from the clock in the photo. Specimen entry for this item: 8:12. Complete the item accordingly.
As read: 10:03
